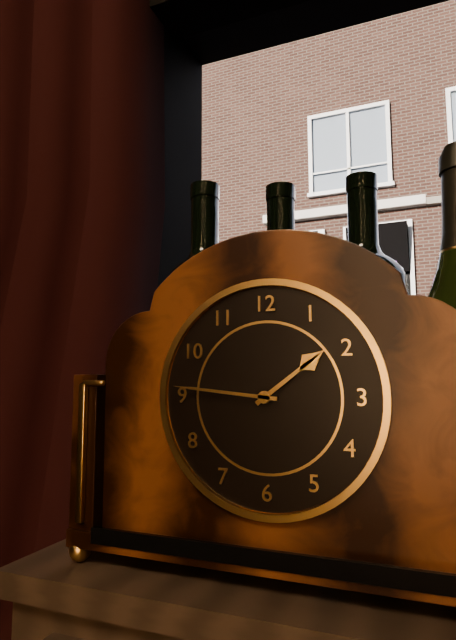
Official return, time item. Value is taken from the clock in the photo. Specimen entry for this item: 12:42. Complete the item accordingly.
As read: 1:46
